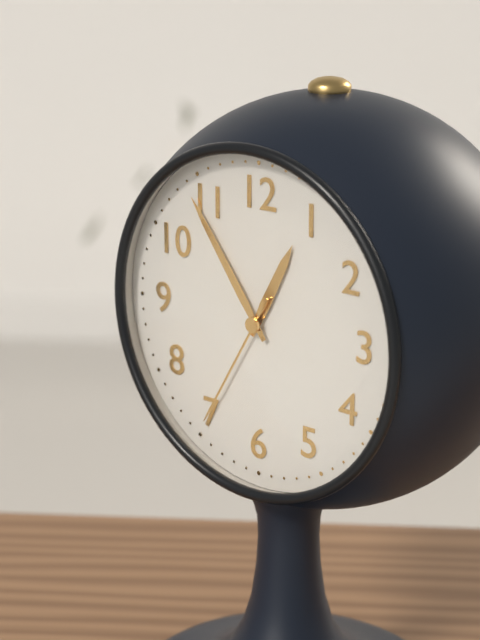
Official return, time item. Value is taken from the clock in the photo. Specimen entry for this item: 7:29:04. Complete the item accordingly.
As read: 12:54:35
